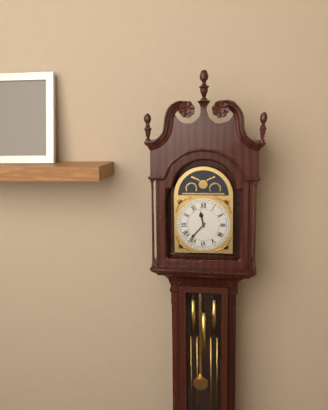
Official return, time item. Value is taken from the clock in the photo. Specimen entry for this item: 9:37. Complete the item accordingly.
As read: 11:37
